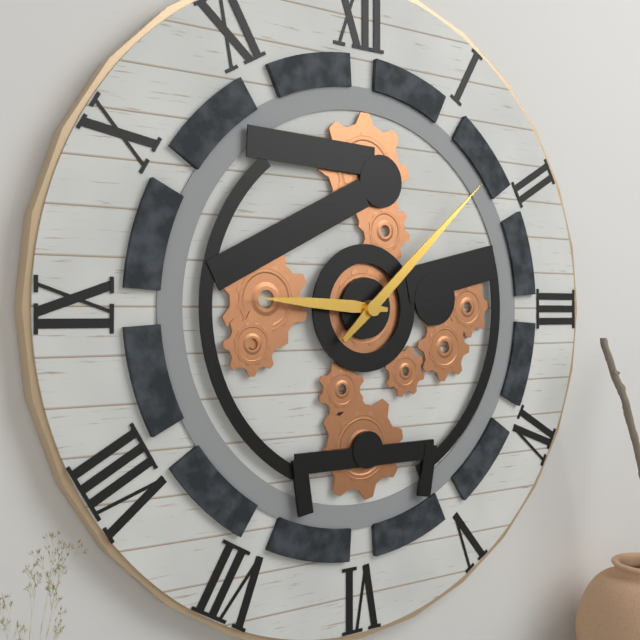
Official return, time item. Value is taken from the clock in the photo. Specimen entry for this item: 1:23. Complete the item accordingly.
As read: 9:08
